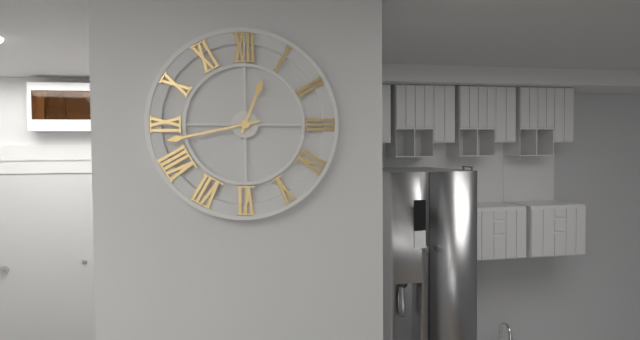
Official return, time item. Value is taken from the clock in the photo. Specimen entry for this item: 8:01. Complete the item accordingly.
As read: 12:43
